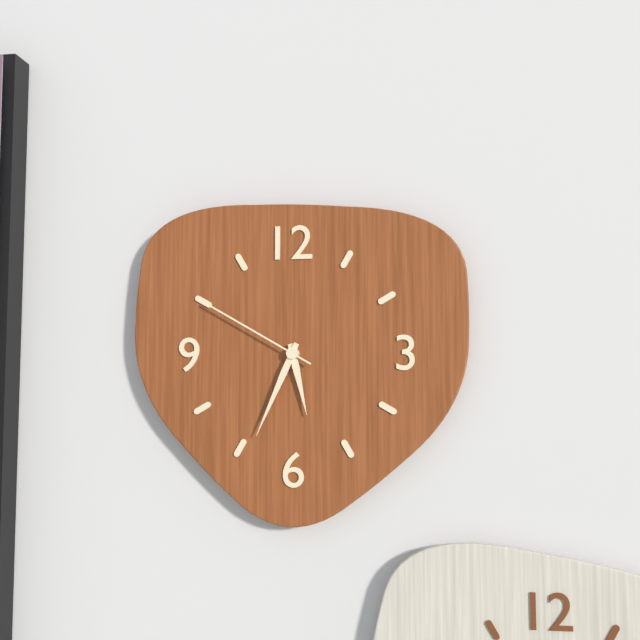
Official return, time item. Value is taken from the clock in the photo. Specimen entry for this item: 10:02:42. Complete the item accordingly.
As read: 5:34:50
